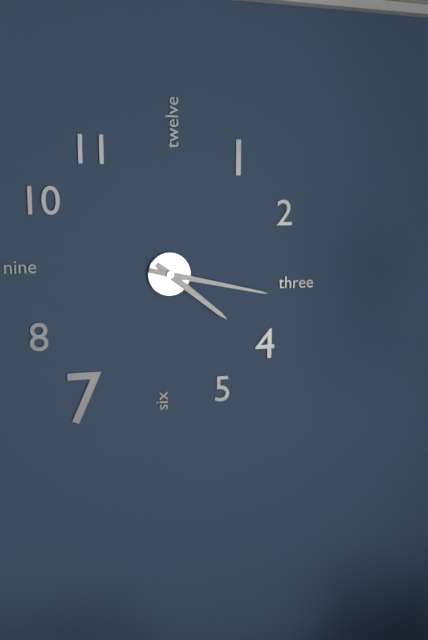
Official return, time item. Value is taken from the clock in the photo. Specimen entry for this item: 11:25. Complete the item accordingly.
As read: 4:17
